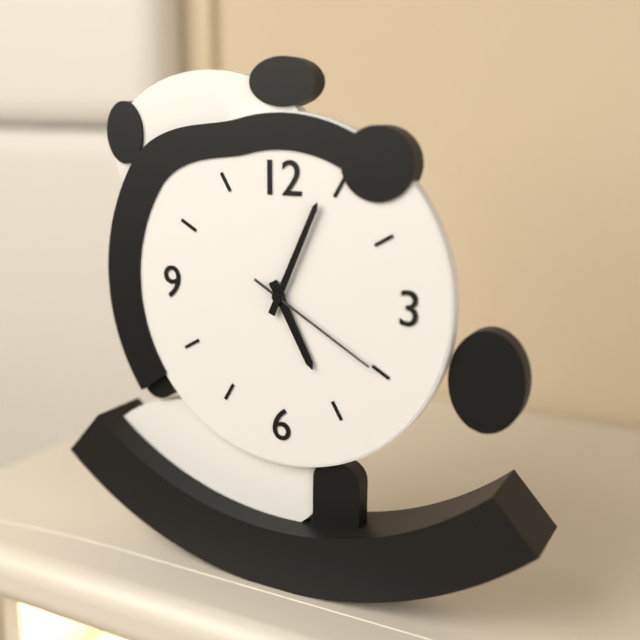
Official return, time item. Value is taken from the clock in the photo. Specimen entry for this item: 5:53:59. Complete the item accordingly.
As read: 5:04:20
